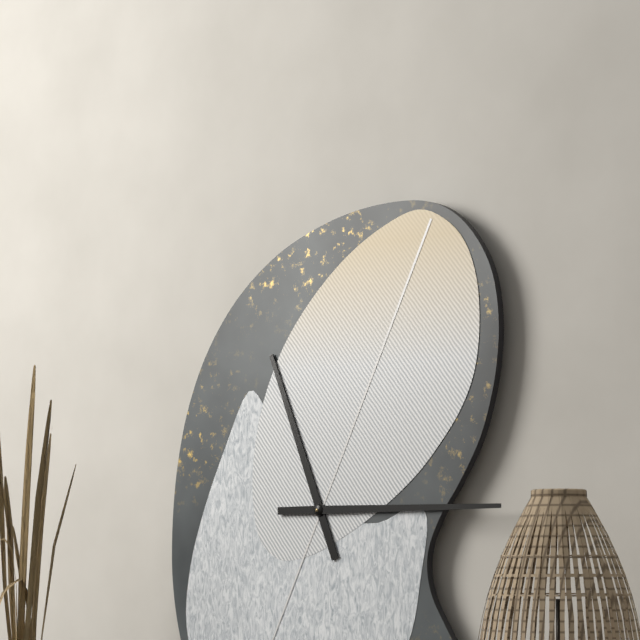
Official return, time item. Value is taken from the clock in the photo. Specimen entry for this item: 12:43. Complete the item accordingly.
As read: 11:15
